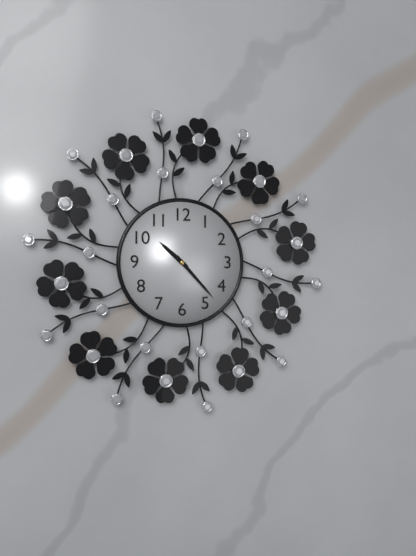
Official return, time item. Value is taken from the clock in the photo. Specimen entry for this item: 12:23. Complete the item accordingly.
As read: 10:23
